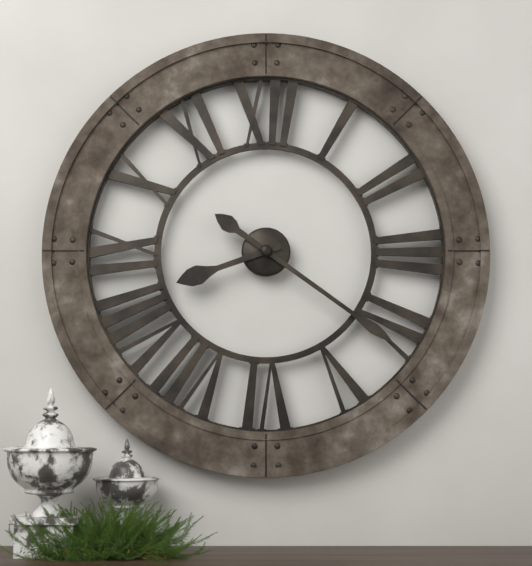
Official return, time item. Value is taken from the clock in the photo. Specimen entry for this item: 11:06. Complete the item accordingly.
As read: 8:21
